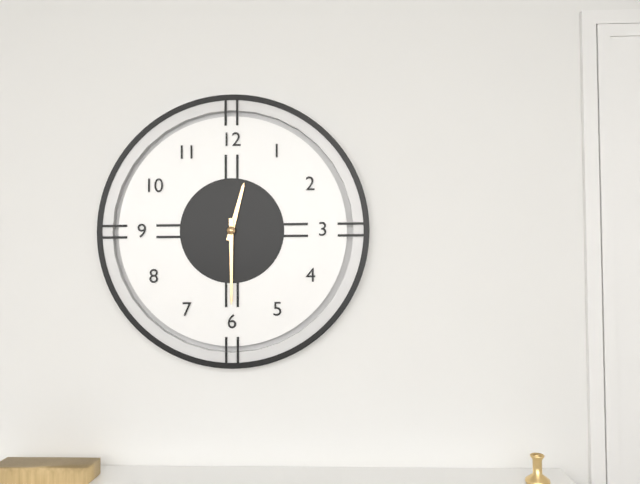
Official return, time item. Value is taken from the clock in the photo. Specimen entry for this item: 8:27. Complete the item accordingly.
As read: 12:30
